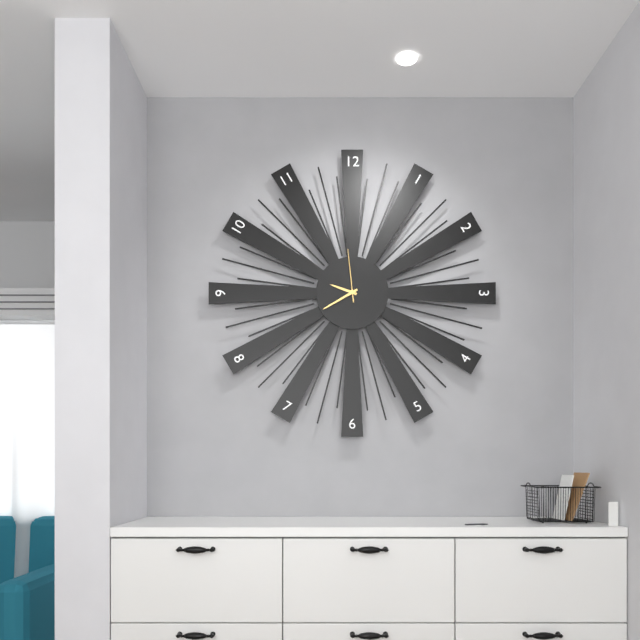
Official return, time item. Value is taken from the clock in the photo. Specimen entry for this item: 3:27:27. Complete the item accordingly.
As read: 9:40:59
